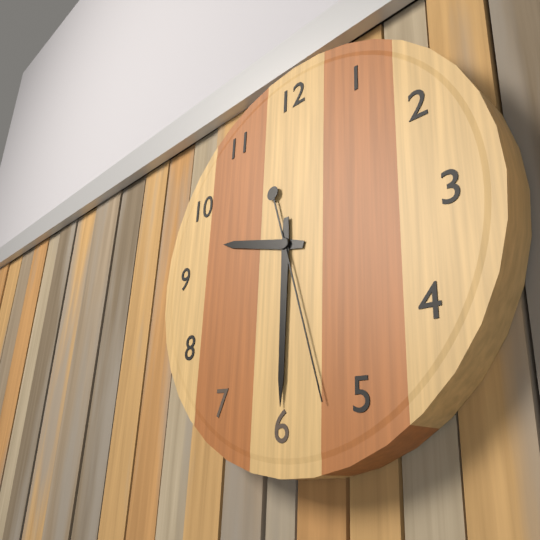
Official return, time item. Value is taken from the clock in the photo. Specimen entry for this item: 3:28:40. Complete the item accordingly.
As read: 9:30:27
